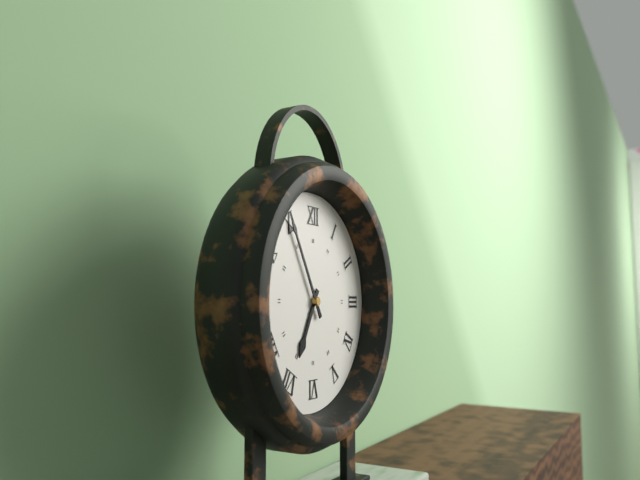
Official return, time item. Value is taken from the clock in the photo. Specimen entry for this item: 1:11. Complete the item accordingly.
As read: 6:55
